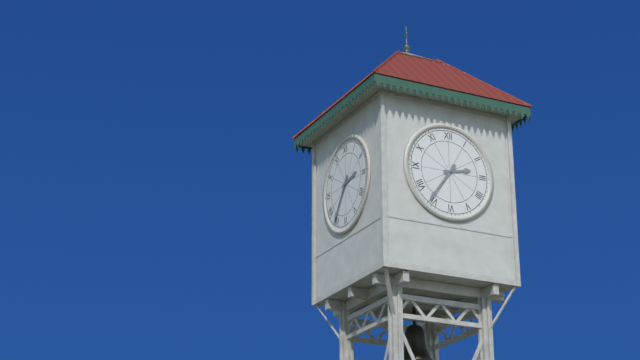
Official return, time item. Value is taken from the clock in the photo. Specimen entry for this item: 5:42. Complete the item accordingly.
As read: 2:36
